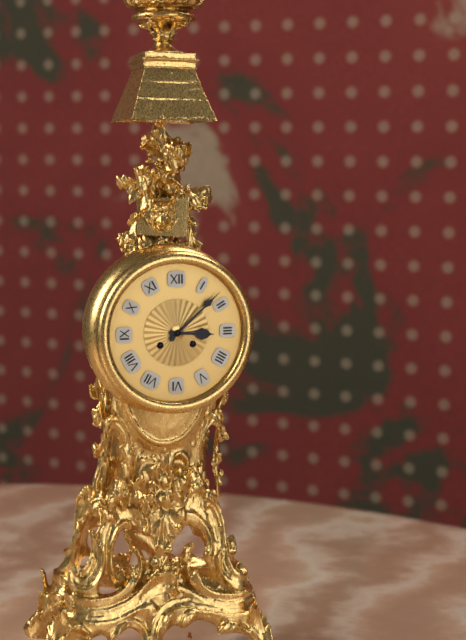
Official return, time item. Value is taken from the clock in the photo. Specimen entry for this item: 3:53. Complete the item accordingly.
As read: 3:08
